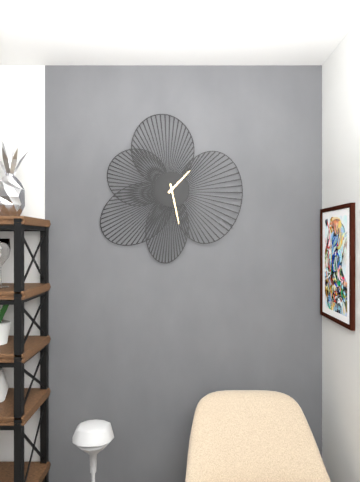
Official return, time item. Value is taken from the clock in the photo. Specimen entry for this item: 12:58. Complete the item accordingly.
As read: 1:28
